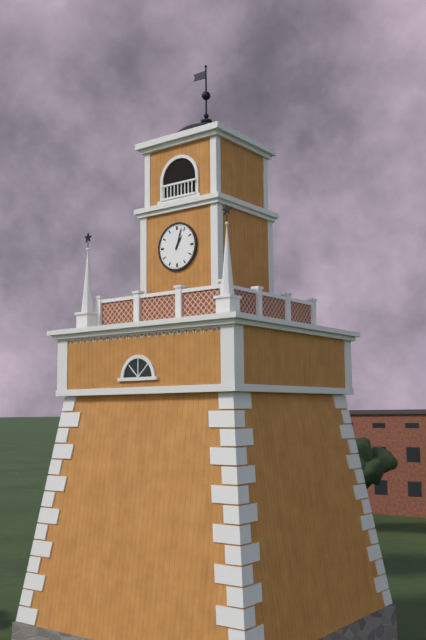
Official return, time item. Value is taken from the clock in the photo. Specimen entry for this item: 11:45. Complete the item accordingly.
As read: 1:03
